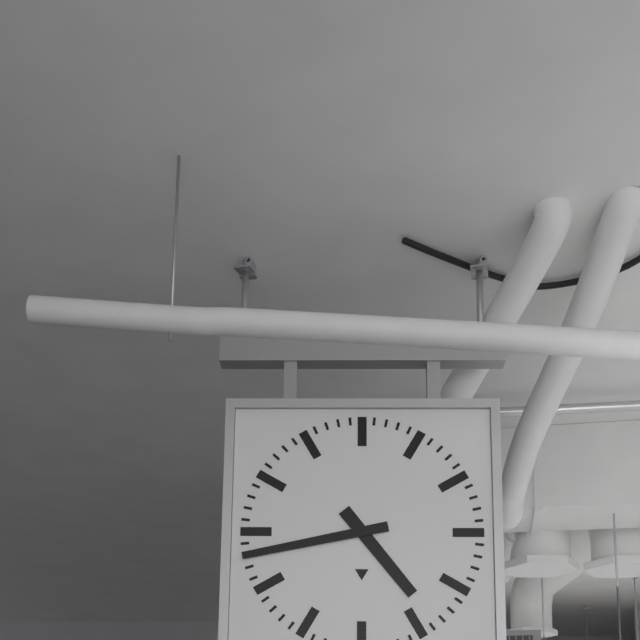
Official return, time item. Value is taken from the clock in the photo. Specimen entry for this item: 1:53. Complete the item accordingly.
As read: 4:43
